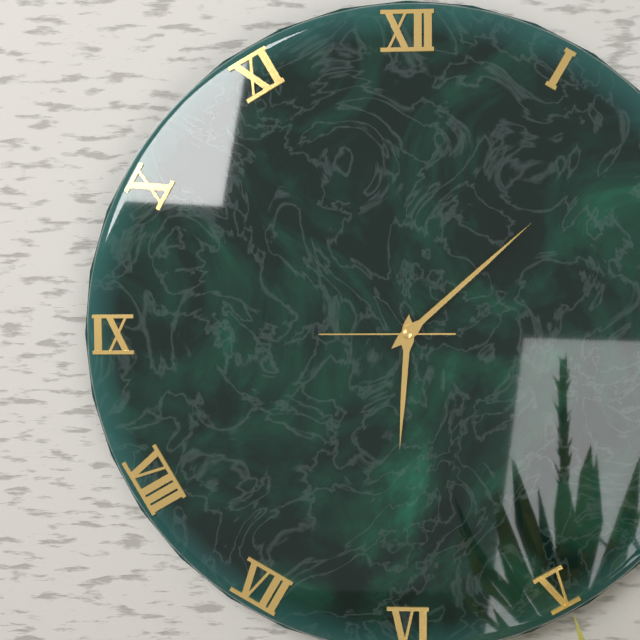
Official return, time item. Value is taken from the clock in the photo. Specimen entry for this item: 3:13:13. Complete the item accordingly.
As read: 6:08:45
